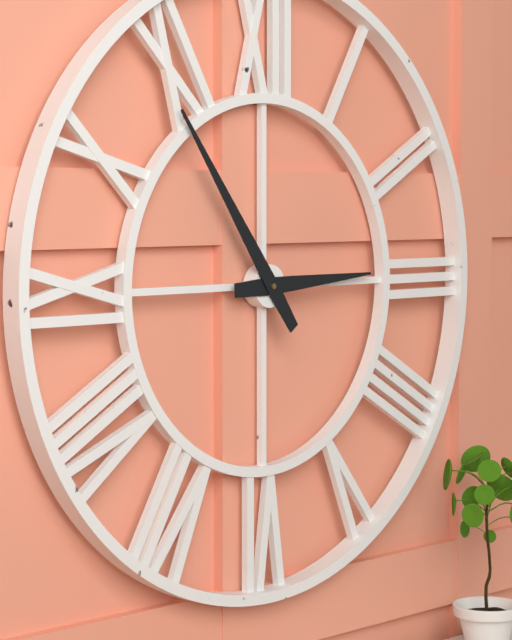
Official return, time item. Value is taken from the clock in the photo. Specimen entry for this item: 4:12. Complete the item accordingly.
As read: 2:54
